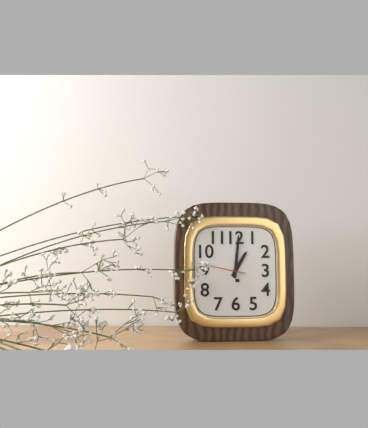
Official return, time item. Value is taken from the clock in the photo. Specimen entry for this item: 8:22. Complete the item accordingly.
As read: 1:01
